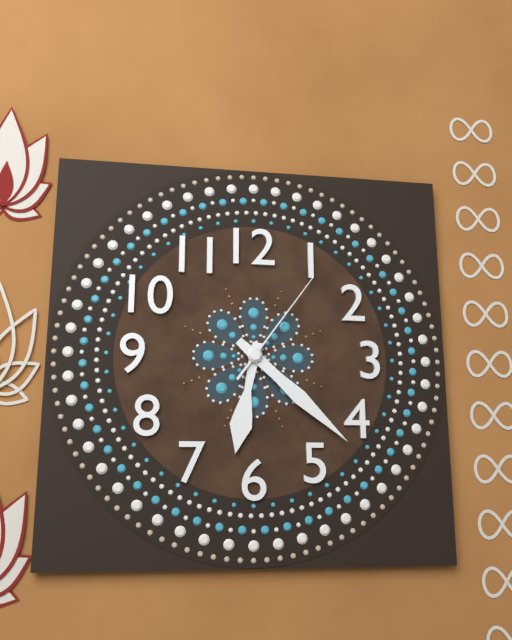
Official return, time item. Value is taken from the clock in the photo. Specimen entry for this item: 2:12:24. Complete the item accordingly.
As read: 6:22:06
